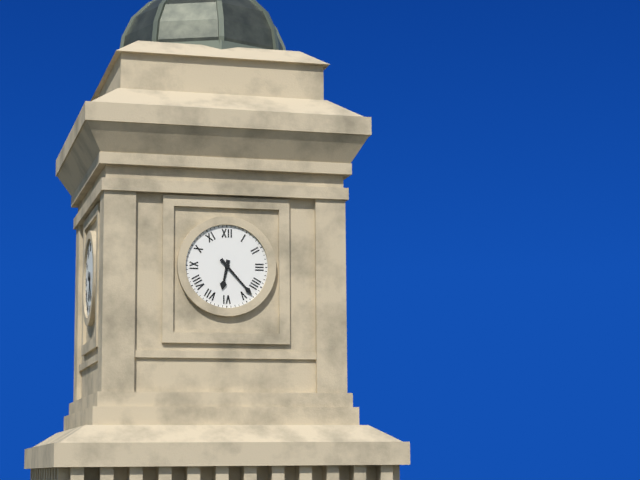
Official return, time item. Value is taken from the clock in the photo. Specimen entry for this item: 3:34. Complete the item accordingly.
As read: 6:23
